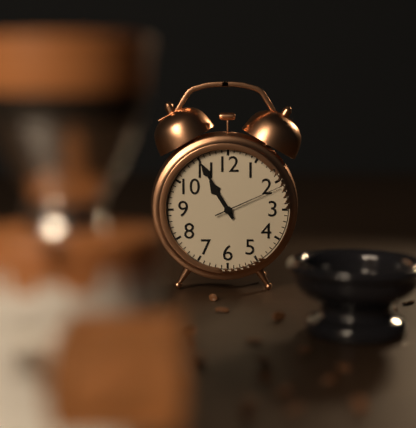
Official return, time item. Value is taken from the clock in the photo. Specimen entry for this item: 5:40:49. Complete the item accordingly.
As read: 10:55:11
